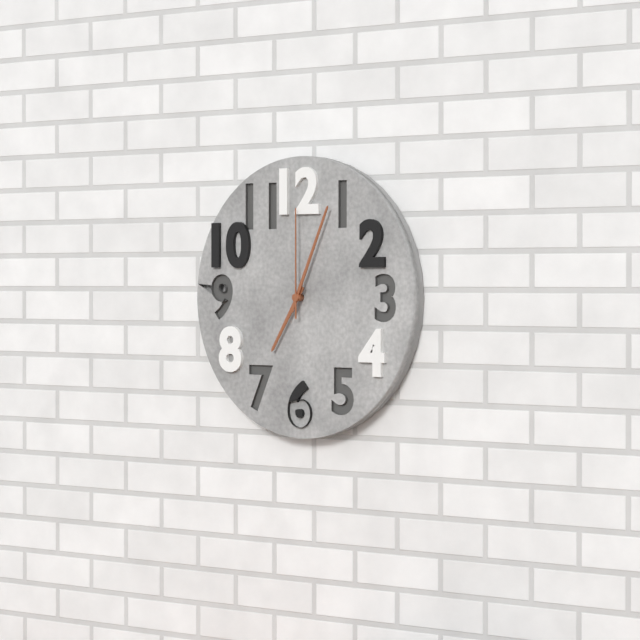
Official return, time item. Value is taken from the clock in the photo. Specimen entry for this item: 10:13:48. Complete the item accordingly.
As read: 7:04:00
